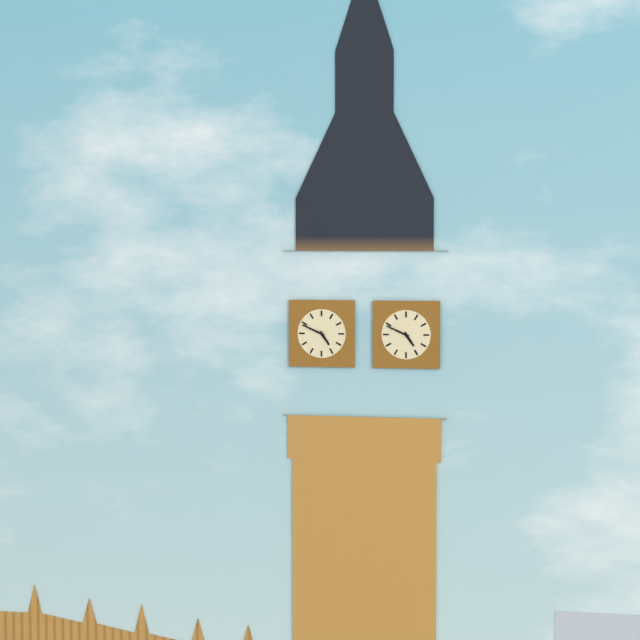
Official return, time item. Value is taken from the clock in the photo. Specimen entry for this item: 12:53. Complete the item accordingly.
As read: 4:49
